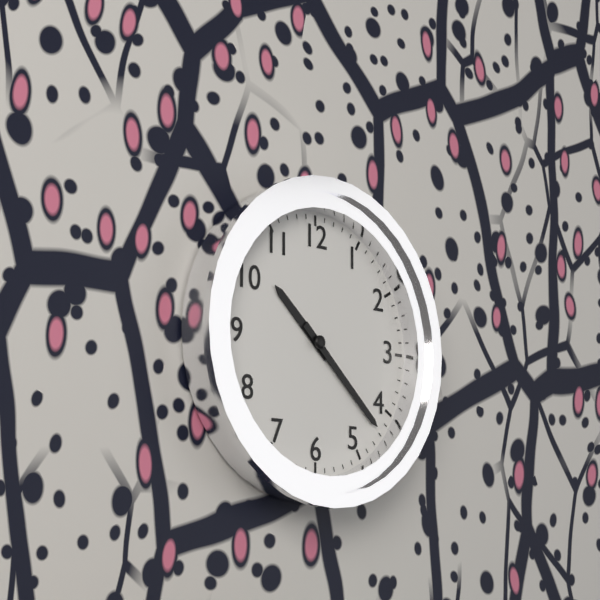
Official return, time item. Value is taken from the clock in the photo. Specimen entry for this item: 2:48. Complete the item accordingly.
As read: 10:22
